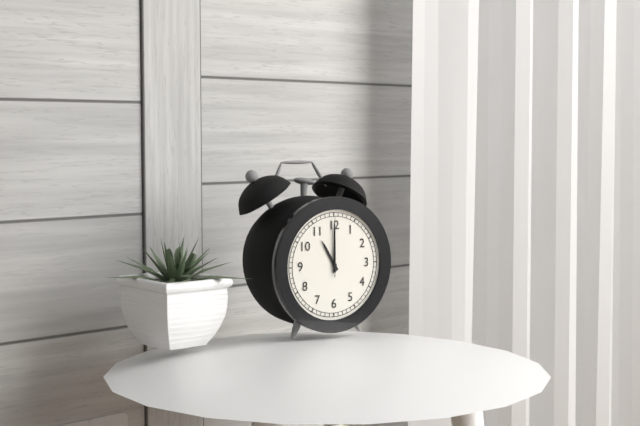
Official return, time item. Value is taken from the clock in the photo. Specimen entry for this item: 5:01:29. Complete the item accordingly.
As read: 11:00:00
